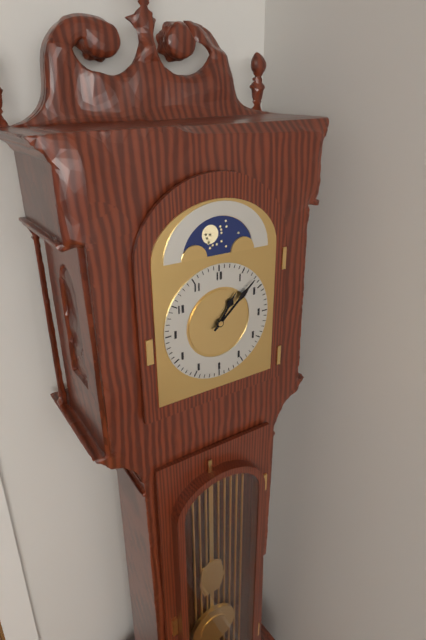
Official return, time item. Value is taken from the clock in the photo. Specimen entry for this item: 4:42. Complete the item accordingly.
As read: 1:08
